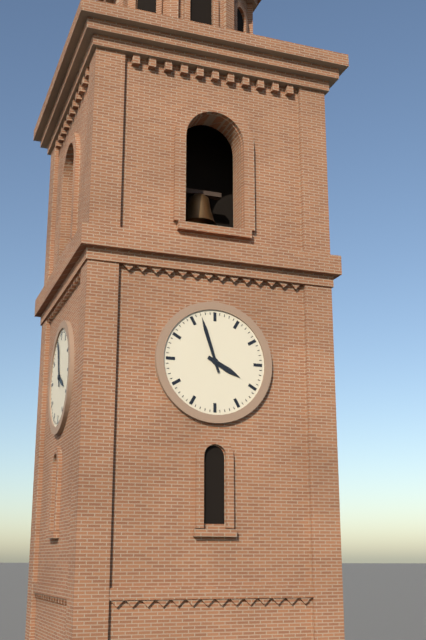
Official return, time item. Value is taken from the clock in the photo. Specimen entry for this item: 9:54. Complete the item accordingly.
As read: 3:57
